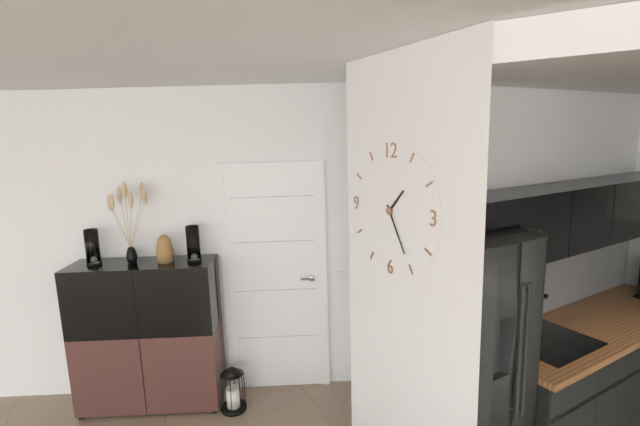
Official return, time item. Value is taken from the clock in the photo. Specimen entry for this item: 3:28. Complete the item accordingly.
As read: 1:25
